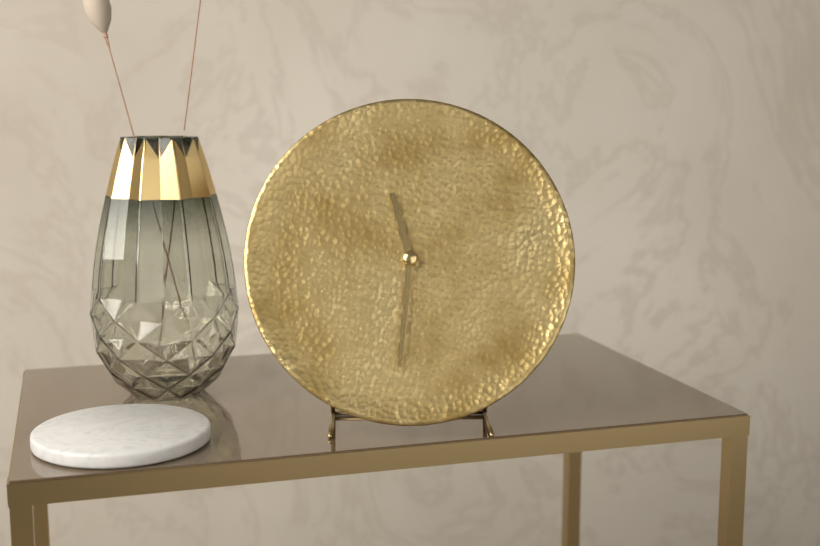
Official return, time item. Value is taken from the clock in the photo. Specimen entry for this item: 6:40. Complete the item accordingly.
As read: 11:31
